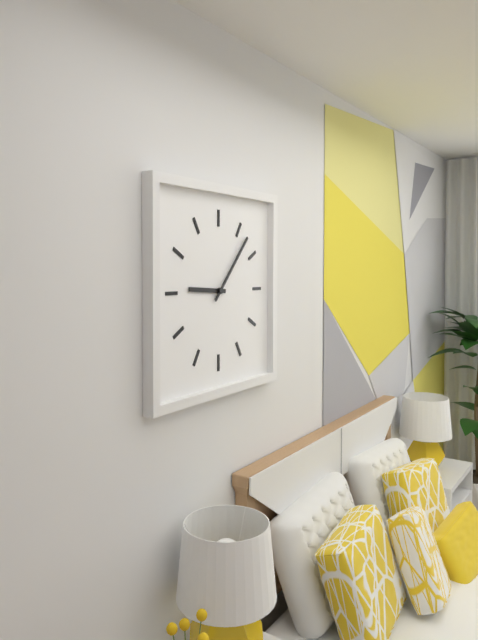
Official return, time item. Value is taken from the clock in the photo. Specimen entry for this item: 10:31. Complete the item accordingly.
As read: 9:07
